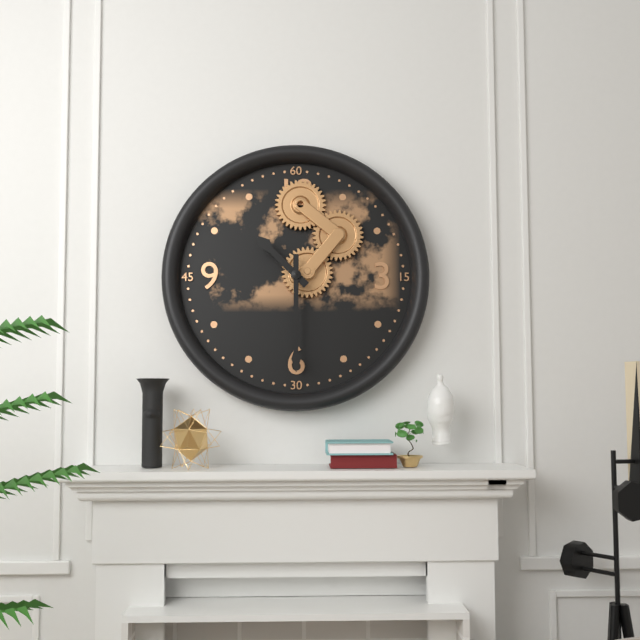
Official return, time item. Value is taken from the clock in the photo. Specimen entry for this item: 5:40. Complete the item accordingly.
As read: 10:30
